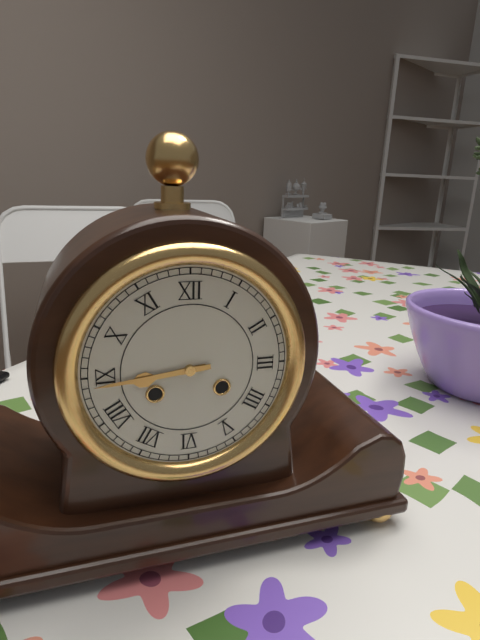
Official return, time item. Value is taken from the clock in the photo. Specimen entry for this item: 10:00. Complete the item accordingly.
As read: 8:44
